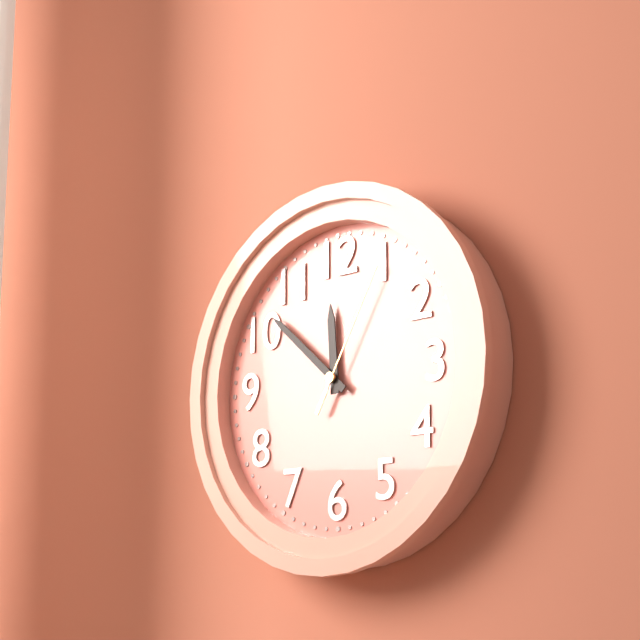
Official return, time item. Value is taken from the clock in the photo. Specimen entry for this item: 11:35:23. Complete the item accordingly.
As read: 11:52:05
